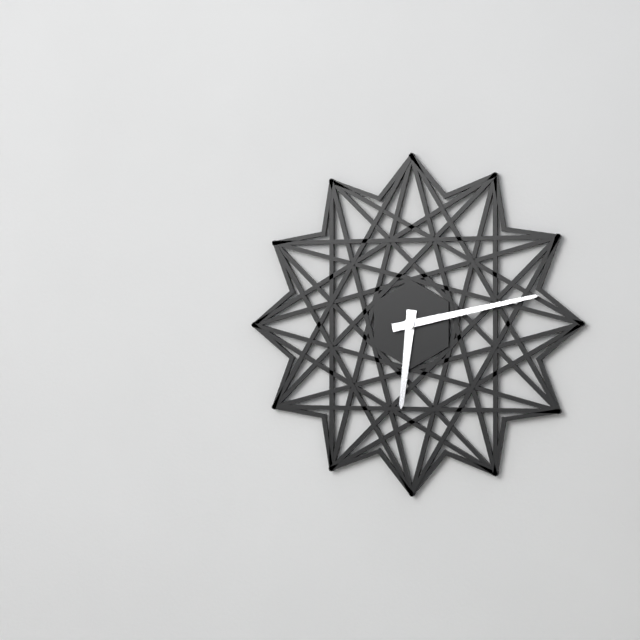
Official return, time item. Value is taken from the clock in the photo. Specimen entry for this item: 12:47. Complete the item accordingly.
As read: 6:13
